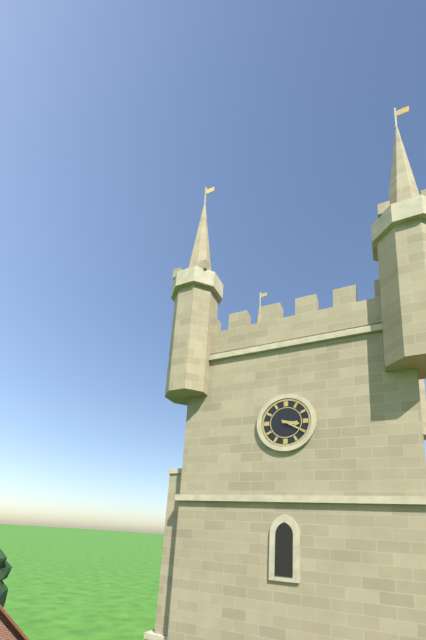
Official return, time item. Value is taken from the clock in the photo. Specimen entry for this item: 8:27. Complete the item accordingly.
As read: 3:20
